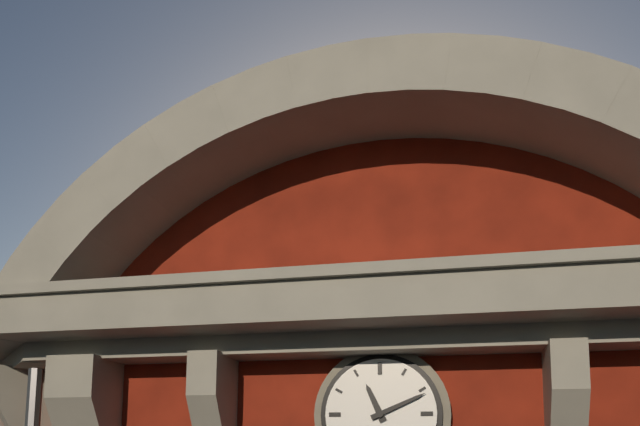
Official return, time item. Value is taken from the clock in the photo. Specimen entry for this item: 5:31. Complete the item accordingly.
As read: 11:11
